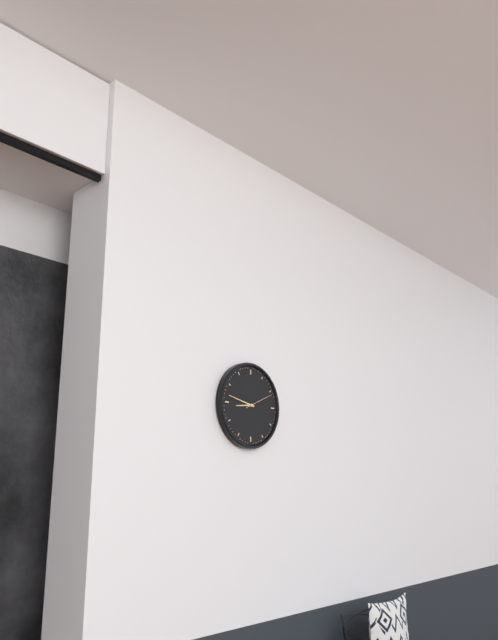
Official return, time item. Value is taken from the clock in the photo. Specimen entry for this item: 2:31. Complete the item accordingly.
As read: 8:47
